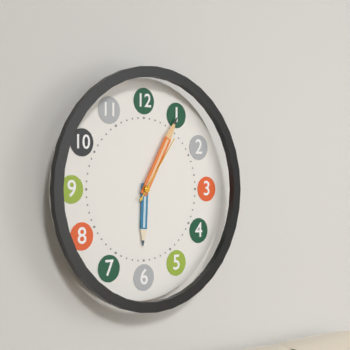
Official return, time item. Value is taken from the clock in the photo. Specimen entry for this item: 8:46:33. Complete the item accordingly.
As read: 6:05:06
